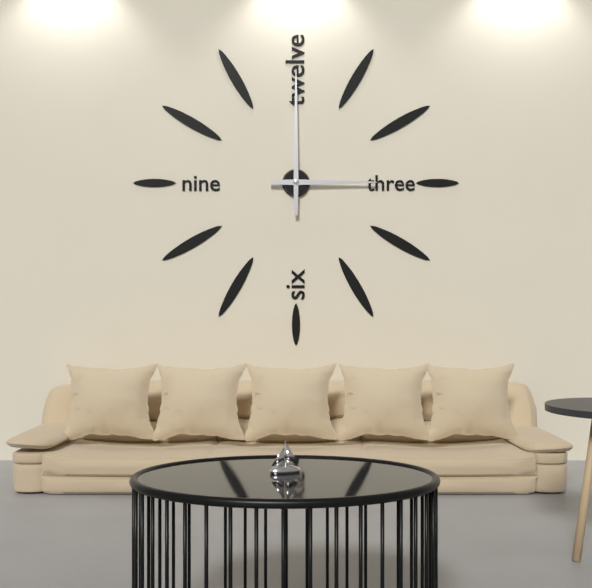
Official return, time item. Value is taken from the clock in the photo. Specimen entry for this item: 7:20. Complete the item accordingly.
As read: 3:00
